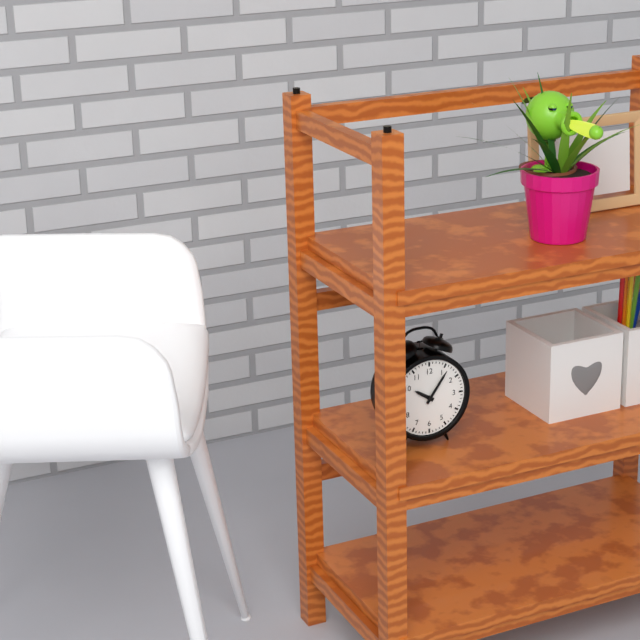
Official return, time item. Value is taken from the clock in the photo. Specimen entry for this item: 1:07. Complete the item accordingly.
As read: 10:06
